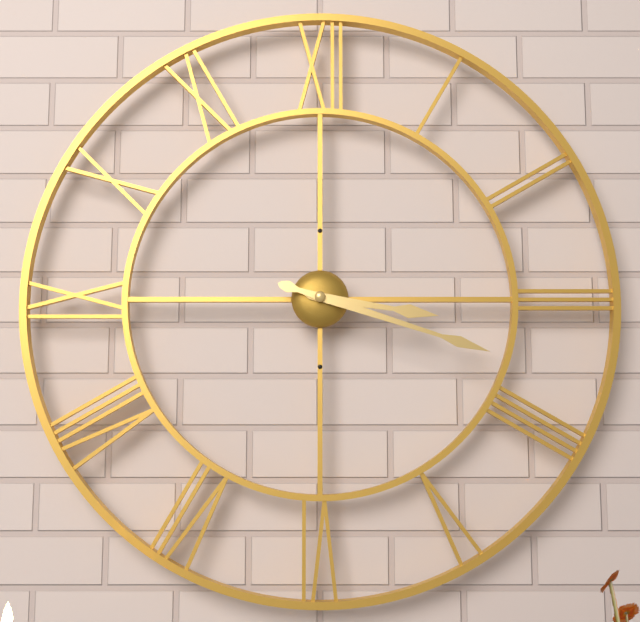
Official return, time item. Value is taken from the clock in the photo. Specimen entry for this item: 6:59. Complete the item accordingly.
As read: 3:18
